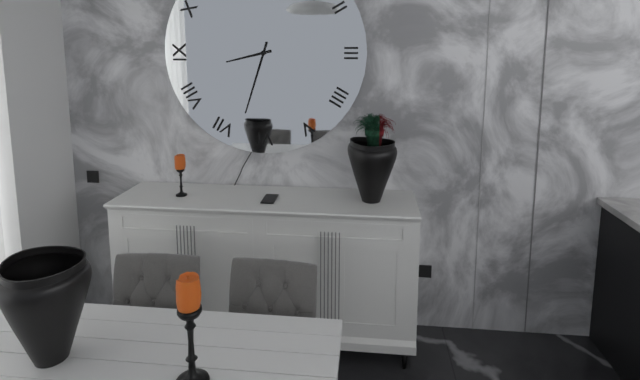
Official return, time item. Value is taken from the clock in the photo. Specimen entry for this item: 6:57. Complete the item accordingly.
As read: 8:33
